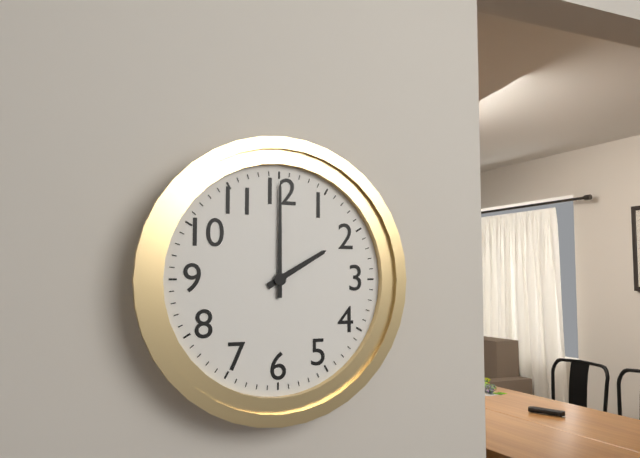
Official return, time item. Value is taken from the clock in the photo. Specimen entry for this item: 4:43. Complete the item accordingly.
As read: 2:00
